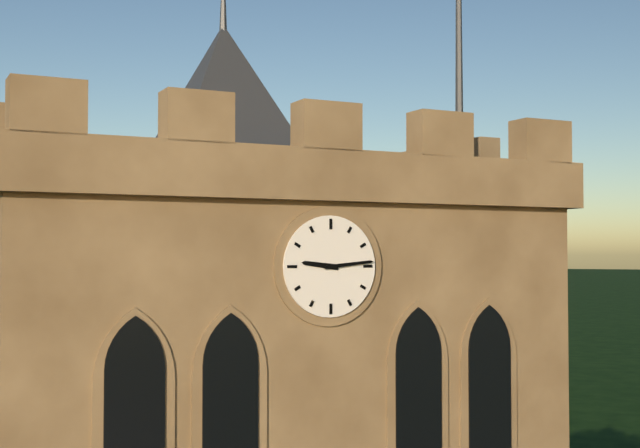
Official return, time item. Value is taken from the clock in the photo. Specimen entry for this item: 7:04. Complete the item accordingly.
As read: 9:14
